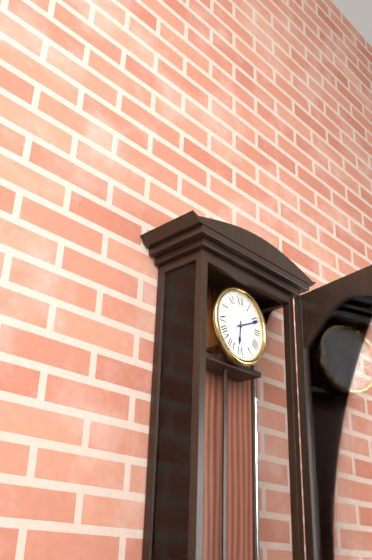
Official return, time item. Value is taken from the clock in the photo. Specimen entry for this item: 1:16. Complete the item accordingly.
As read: 6:11
